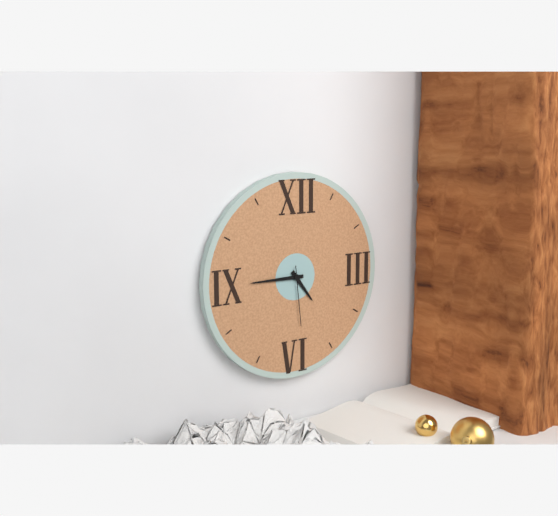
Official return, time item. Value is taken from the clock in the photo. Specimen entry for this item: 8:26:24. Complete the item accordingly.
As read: 4:45:29
